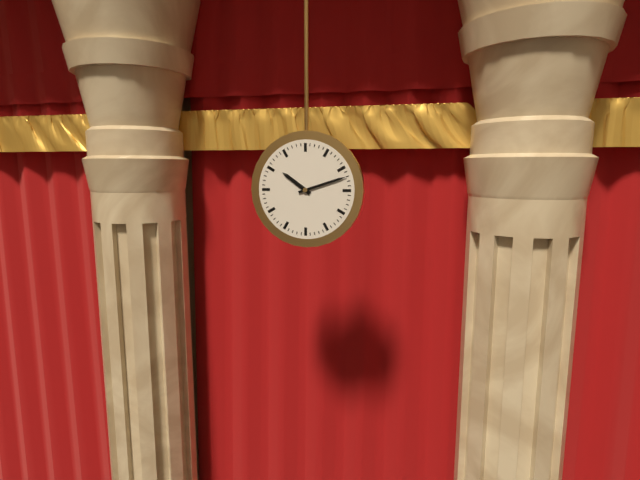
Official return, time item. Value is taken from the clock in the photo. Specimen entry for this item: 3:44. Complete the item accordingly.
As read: 10:12
